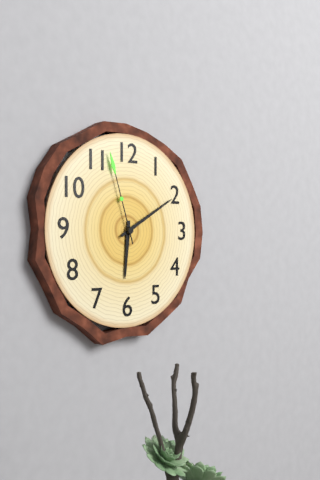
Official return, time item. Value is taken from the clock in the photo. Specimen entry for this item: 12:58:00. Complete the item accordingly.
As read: 6:10:57
